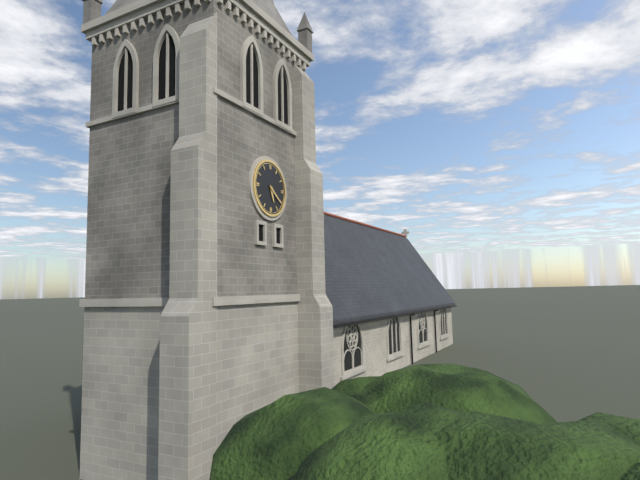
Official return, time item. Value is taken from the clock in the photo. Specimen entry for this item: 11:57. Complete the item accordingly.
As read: 5:21
